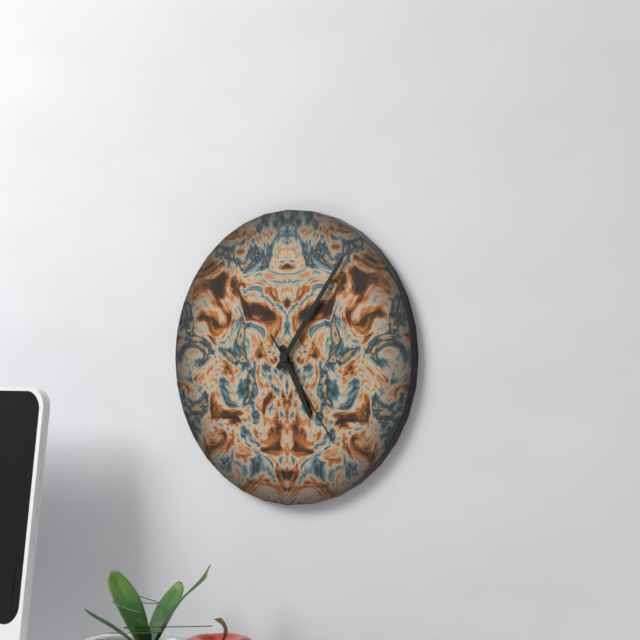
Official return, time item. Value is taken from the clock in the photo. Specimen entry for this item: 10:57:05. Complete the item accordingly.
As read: 5:06:24
